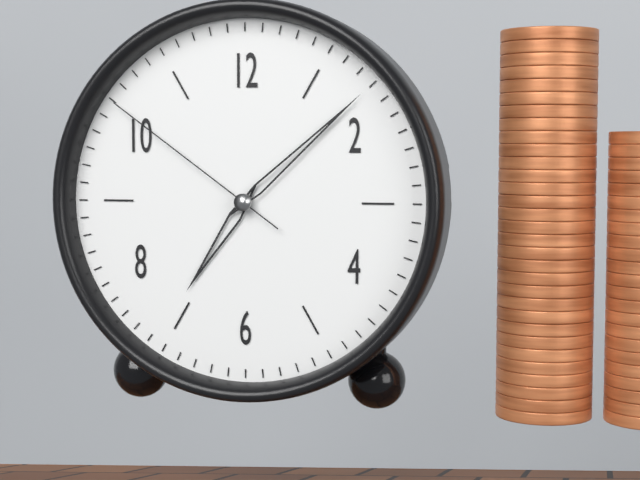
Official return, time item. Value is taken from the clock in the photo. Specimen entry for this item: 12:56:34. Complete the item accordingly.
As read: 7:08:51
